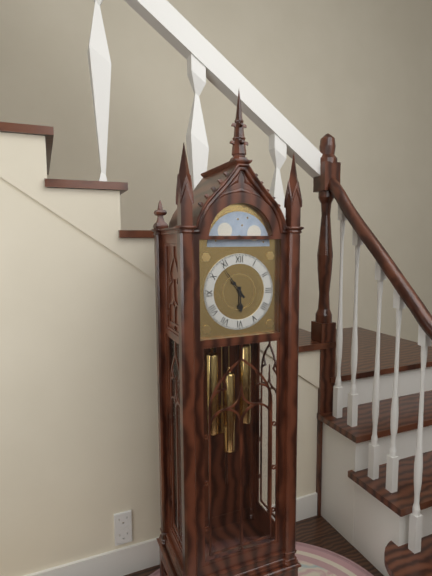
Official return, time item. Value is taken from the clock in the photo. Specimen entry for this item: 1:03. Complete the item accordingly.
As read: 5:54
